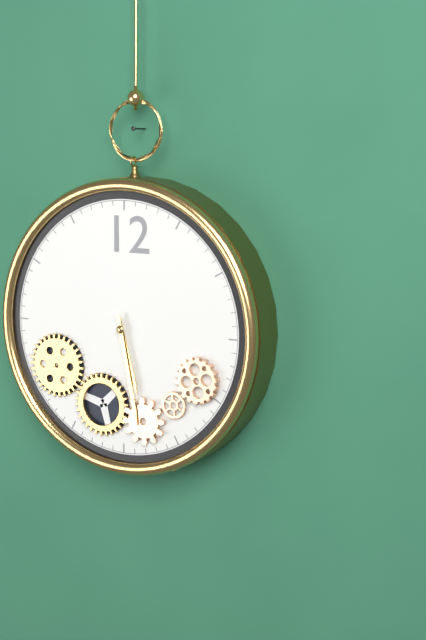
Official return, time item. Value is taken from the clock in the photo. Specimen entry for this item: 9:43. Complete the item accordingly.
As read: 5:28
